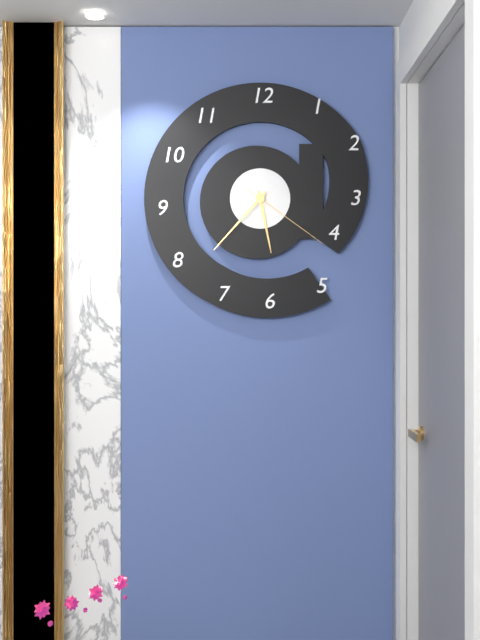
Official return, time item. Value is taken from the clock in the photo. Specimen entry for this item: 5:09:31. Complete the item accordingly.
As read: 5:37:21
